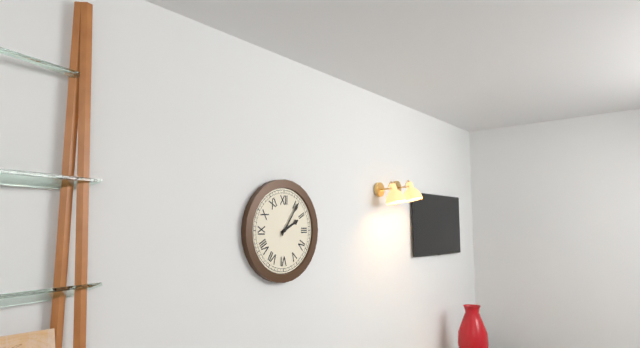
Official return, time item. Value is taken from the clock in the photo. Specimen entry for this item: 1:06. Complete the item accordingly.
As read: 2:06
